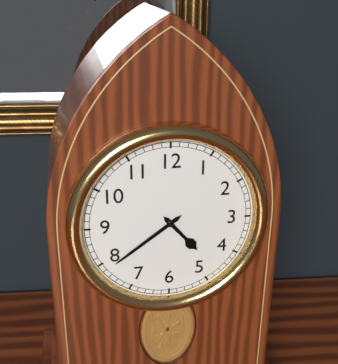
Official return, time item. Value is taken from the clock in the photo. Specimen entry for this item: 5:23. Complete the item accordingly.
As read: 4:39
